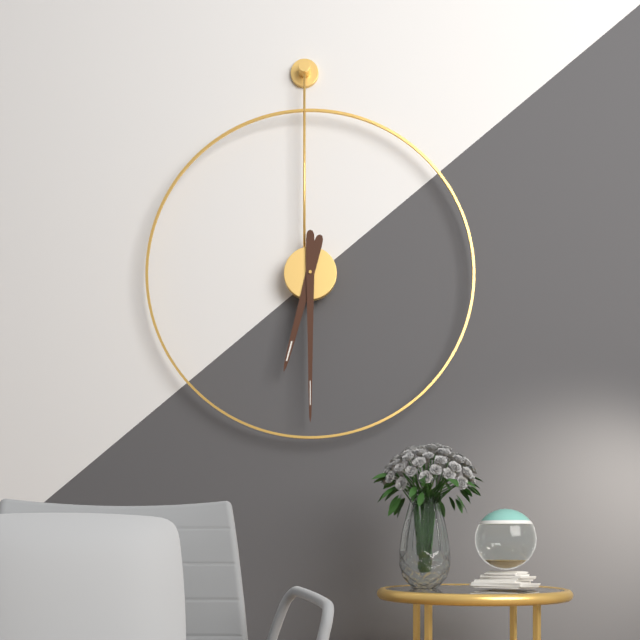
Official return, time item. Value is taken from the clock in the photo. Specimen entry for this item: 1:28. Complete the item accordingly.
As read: 6:30
